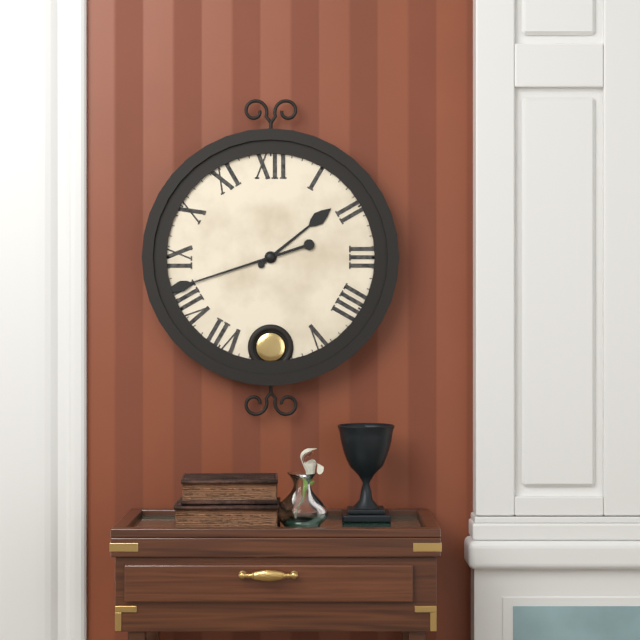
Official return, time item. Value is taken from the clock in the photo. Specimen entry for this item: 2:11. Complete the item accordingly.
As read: 1:42
